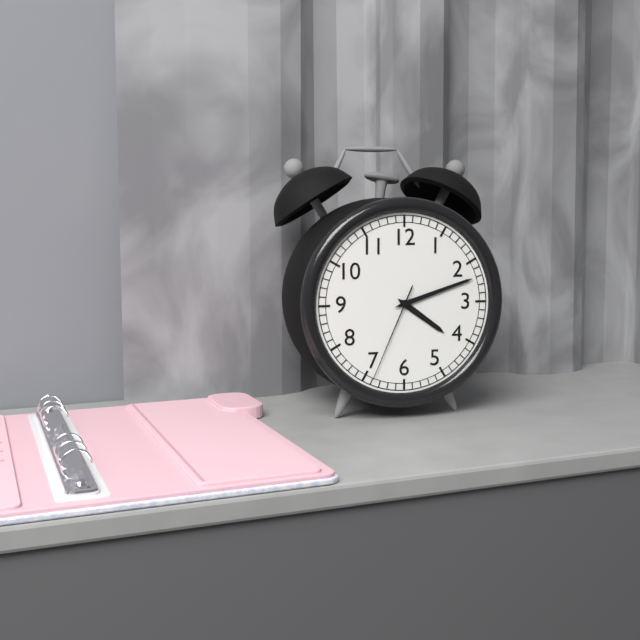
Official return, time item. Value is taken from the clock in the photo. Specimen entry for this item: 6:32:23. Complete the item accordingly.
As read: 4:12:34
